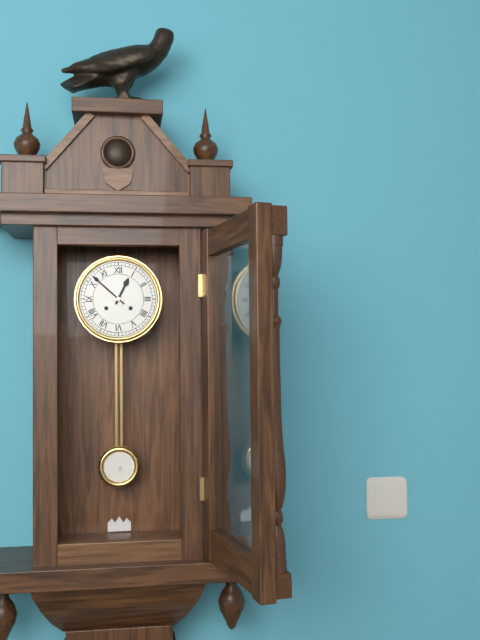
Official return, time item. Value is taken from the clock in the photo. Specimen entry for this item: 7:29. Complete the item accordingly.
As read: 12:52
